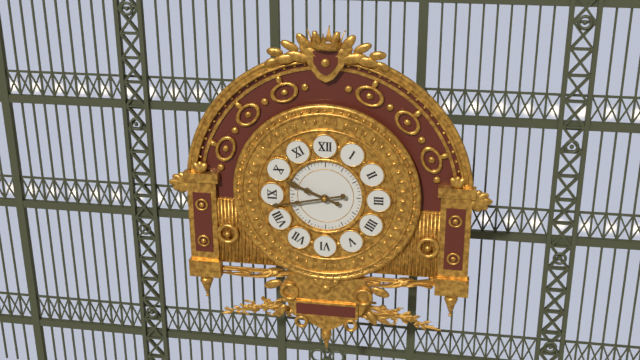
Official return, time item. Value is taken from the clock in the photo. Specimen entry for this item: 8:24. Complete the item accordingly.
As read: 9:43
